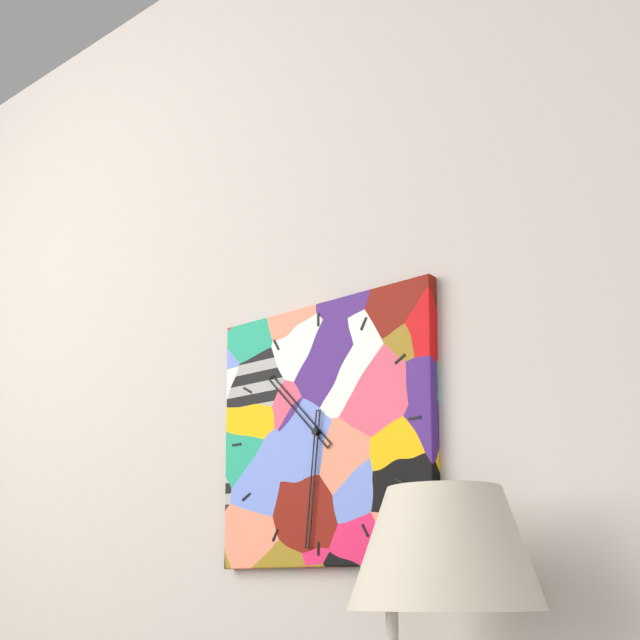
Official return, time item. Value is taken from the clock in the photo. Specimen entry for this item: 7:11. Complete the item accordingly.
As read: 10:31
